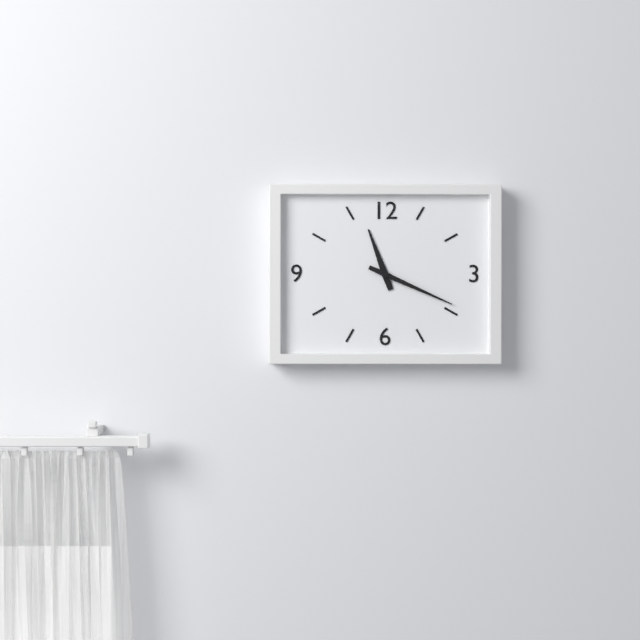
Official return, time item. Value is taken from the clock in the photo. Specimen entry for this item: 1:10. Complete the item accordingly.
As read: 11:19
